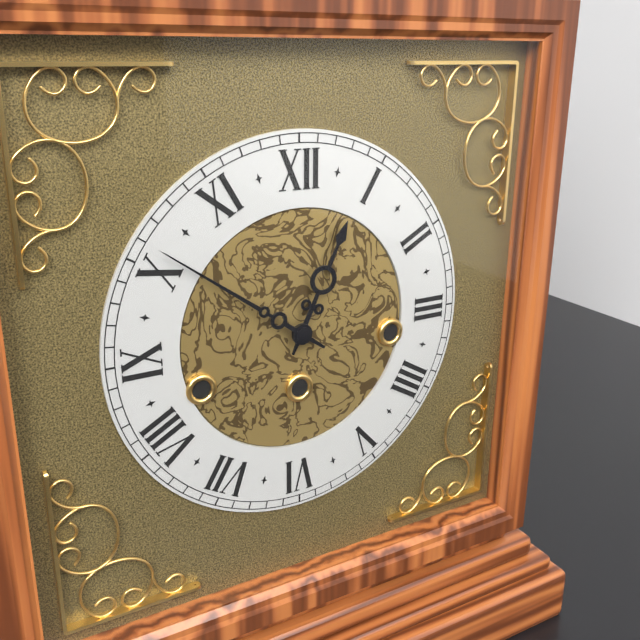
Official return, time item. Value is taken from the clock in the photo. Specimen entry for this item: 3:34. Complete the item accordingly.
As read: 12:51
